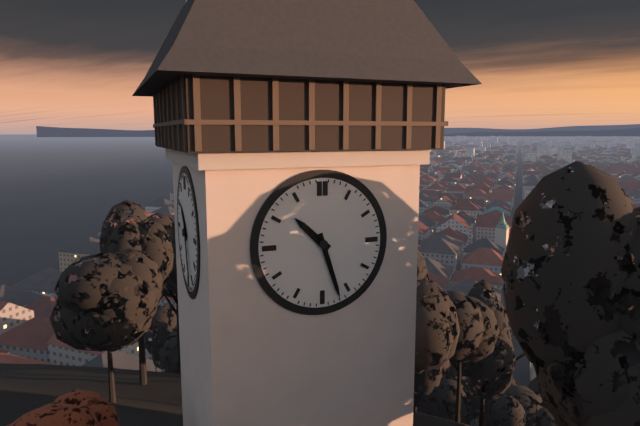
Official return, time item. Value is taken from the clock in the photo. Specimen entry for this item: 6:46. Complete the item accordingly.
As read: 10:27
